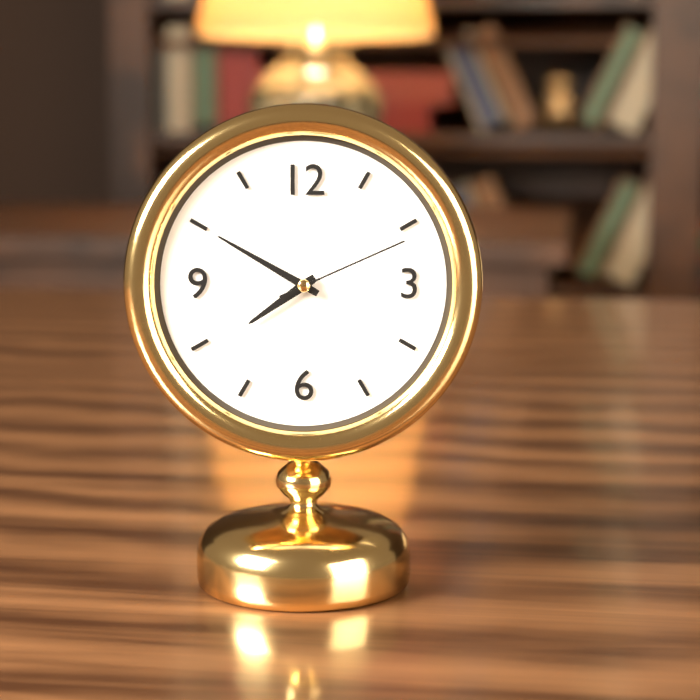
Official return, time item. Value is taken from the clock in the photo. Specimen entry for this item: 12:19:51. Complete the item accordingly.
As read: 7:50:11
